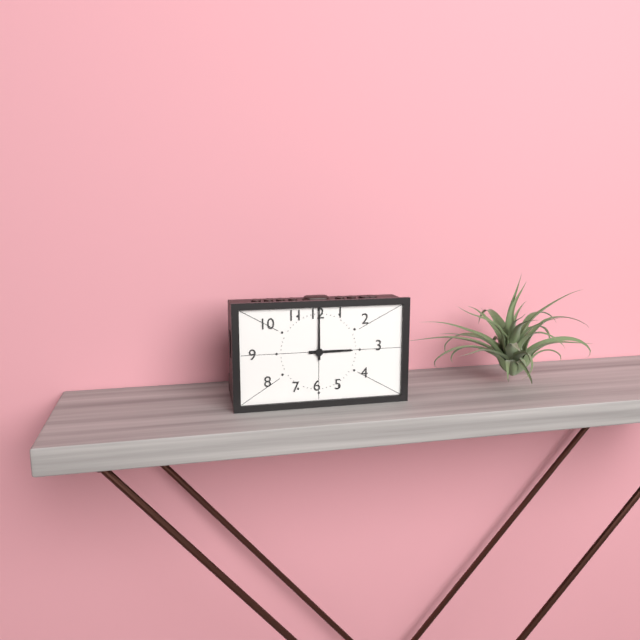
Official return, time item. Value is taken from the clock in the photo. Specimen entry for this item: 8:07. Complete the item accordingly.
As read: 3:00
